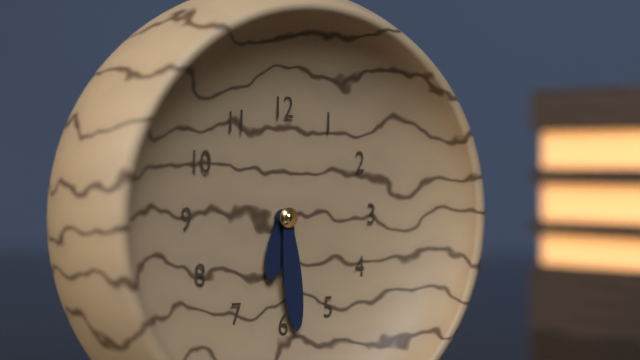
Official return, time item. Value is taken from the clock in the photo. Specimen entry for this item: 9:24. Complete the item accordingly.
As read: 6:29
